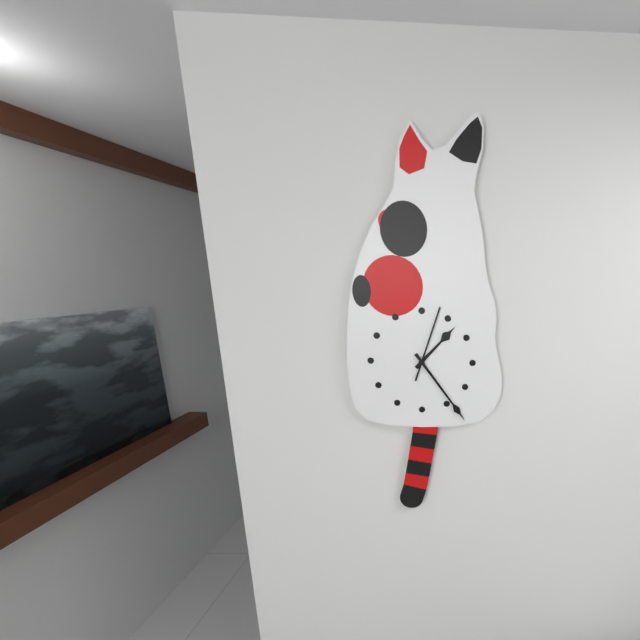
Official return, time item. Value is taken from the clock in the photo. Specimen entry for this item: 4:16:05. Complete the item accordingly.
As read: 1:24:03
